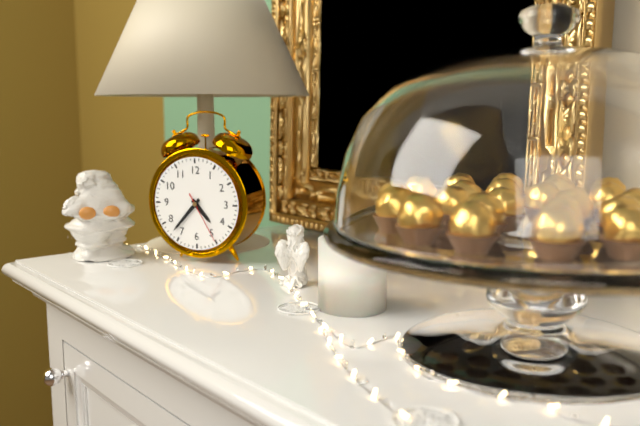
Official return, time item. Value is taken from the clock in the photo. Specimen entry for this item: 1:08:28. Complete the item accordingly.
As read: 4:37:25
